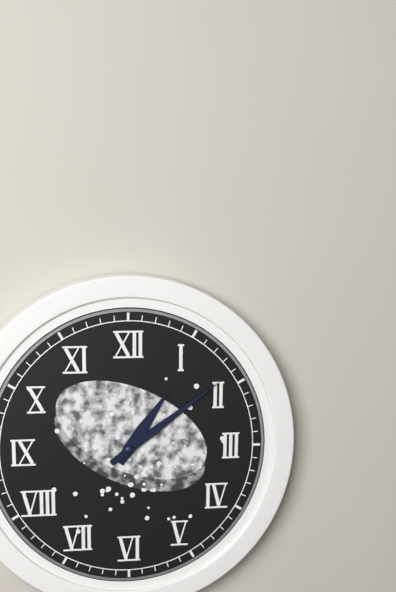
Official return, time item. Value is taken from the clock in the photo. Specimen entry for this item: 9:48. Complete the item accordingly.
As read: 1:09
